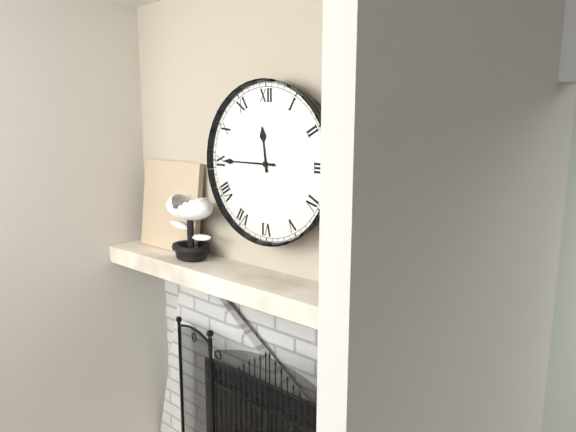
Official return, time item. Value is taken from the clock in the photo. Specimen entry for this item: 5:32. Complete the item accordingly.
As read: 11:45
